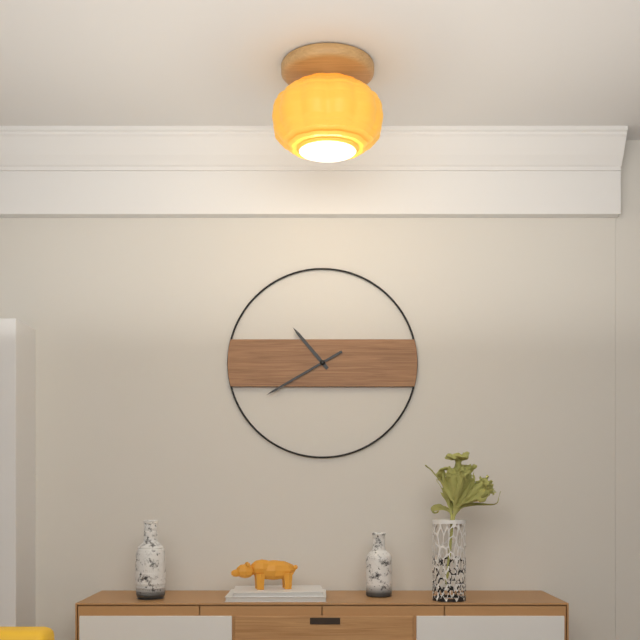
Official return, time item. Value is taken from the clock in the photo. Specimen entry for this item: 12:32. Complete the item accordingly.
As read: 10:40
